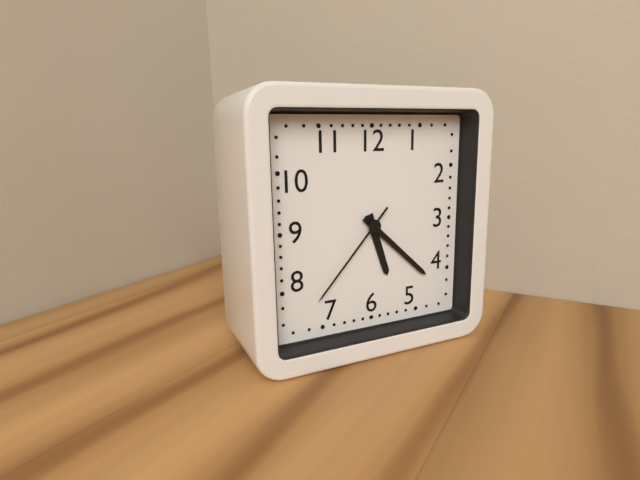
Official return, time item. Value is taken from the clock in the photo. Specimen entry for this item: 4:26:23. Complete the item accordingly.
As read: 5:22:37
